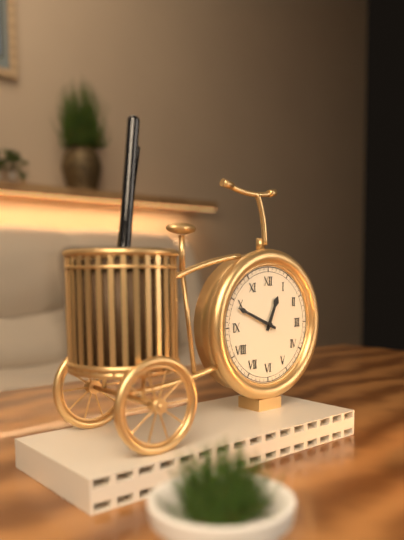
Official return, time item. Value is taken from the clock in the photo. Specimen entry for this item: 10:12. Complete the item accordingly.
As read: 12:49
